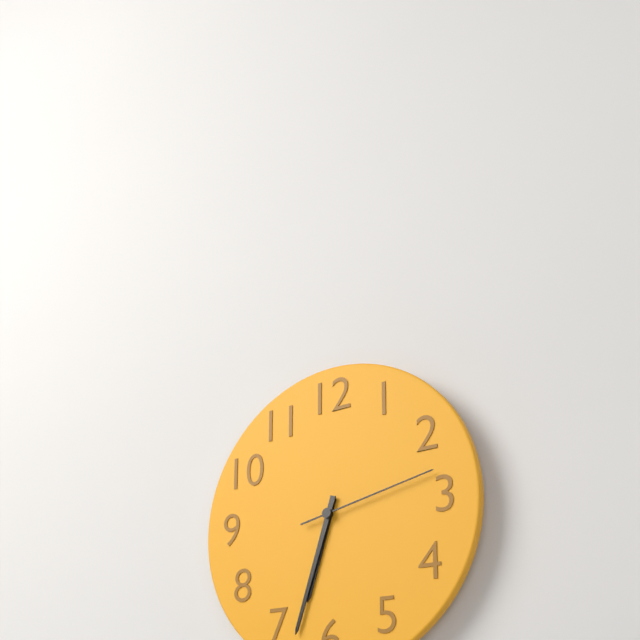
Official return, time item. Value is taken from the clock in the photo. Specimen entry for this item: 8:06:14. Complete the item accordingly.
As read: 6:33:13
